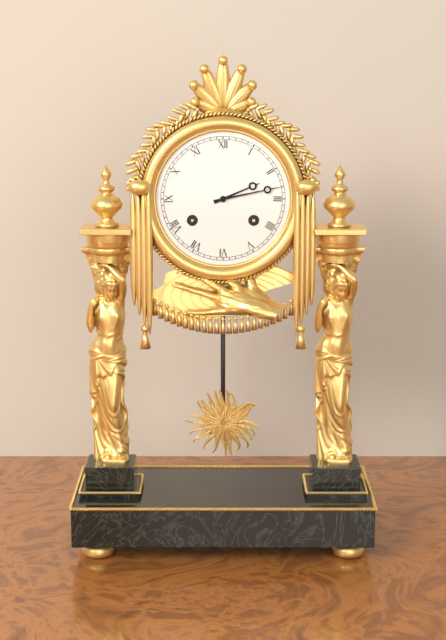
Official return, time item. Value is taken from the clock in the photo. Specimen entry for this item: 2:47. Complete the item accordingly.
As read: 2:13
